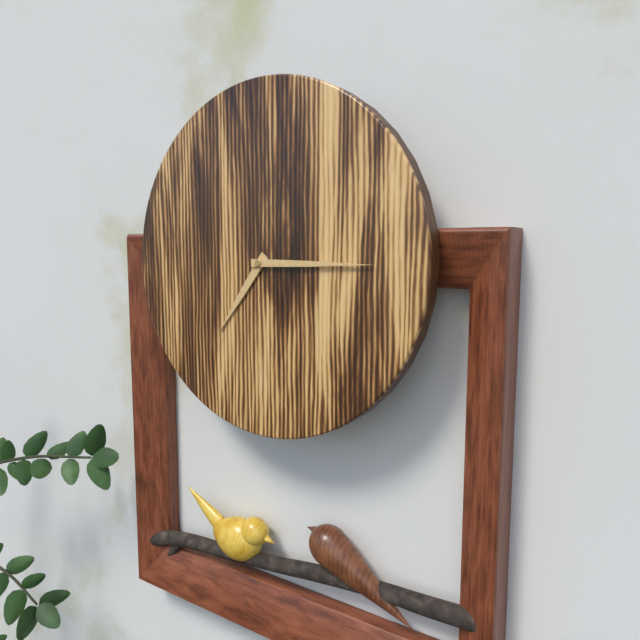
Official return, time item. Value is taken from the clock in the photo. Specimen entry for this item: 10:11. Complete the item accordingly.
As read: 7:15
